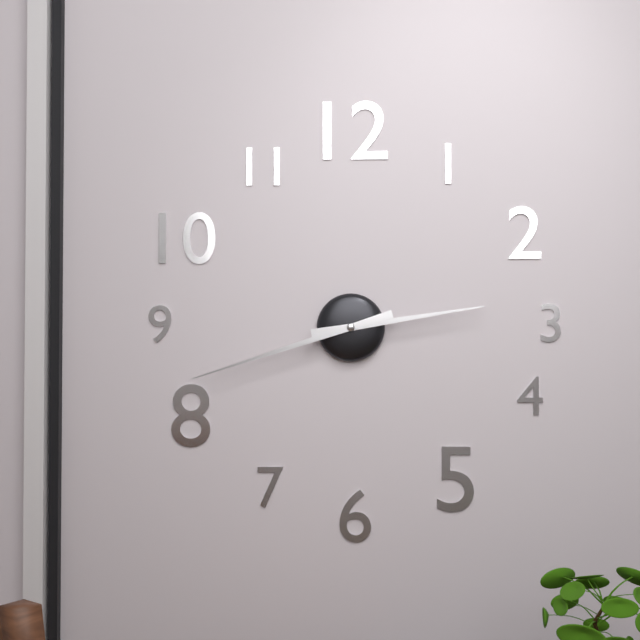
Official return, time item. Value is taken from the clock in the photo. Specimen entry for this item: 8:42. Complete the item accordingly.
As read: 2:42
